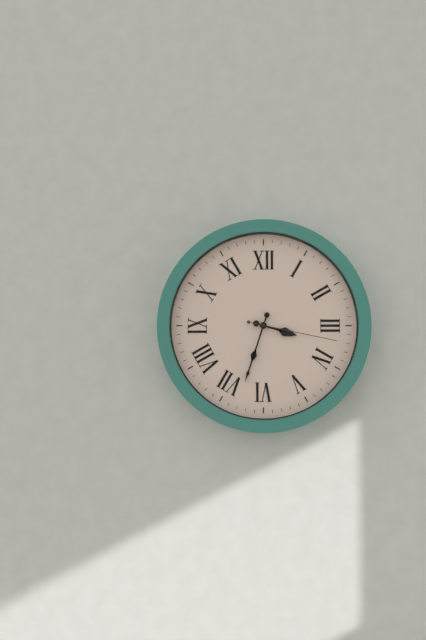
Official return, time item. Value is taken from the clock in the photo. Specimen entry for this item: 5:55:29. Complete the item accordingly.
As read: 3:33:17
